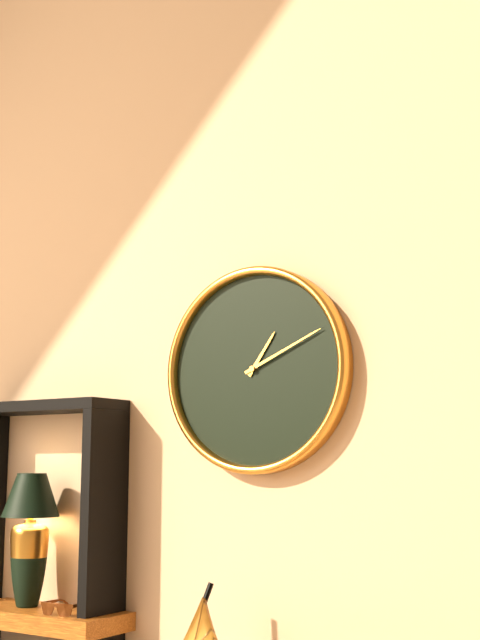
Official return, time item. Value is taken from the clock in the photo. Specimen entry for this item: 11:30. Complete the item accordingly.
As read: 1:11
